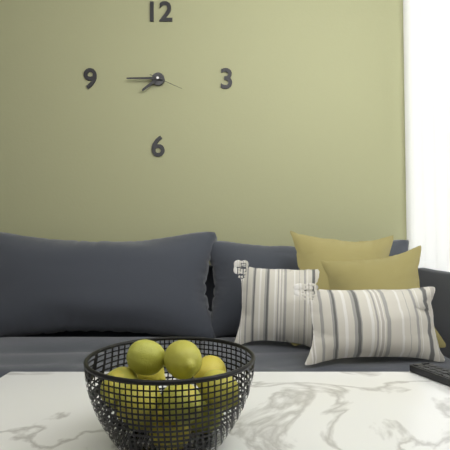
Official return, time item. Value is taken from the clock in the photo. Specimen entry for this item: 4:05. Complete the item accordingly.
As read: 7:45
